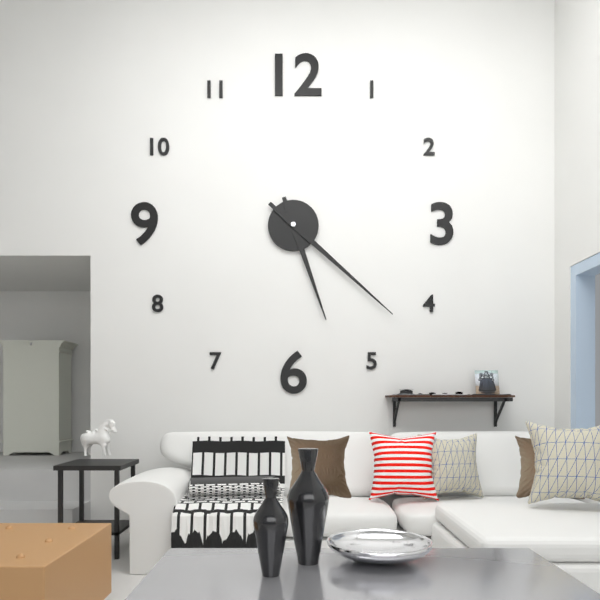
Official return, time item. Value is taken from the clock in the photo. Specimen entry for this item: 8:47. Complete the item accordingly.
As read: 5:22
